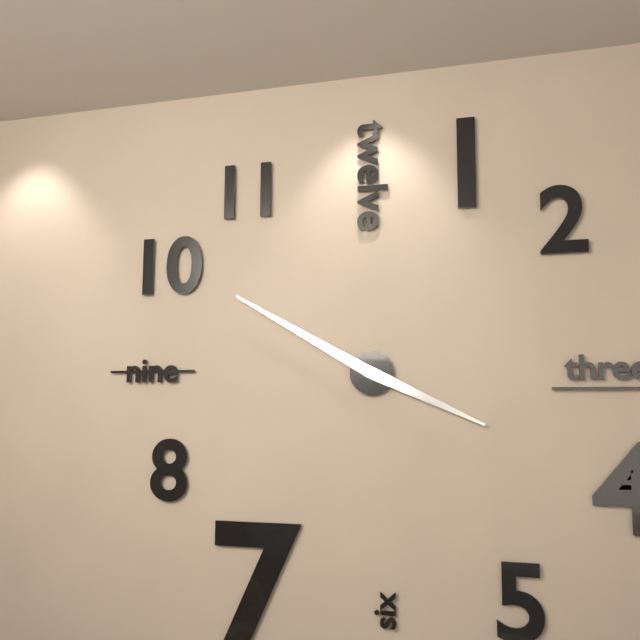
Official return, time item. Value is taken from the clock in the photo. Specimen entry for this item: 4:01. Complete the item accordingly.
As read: 3:50
